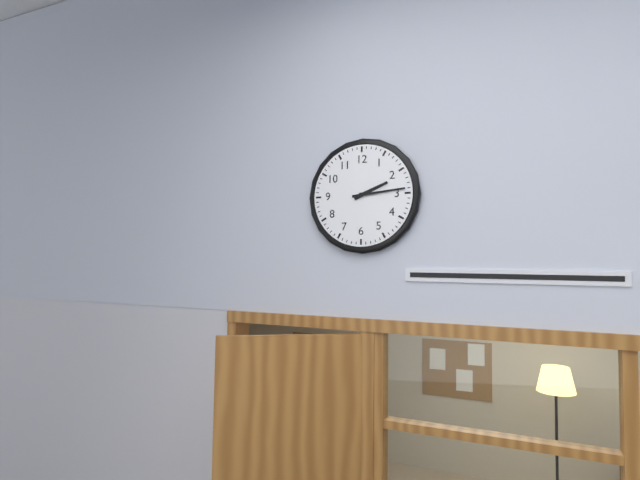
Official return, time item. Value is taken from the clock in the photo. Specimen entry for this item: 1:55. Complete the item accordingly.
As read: 2:14
